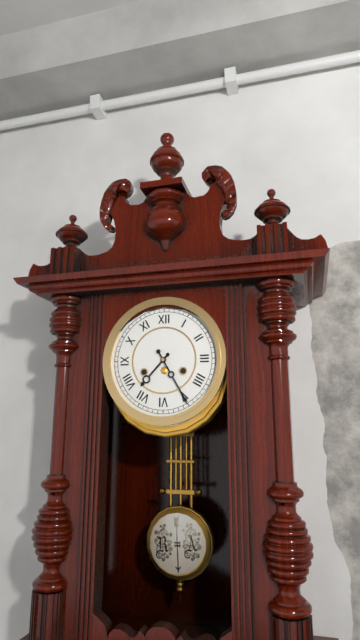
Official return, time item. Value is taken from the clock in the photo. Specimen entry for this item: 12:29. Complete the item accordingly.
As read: 7:25
